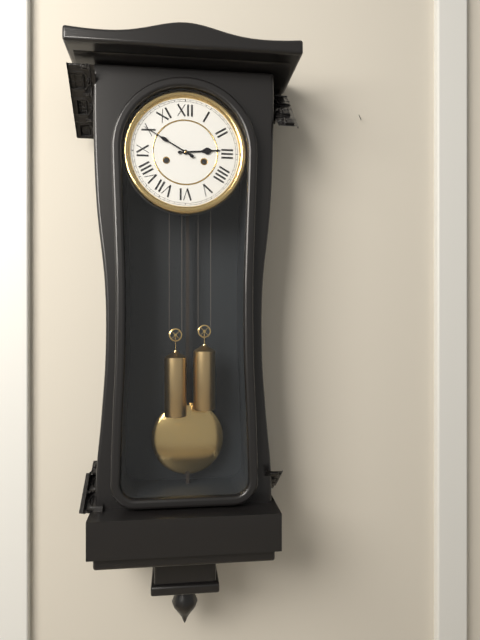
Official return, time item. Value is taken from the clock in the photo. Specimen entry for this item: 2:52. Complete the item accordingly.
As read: 2:50
